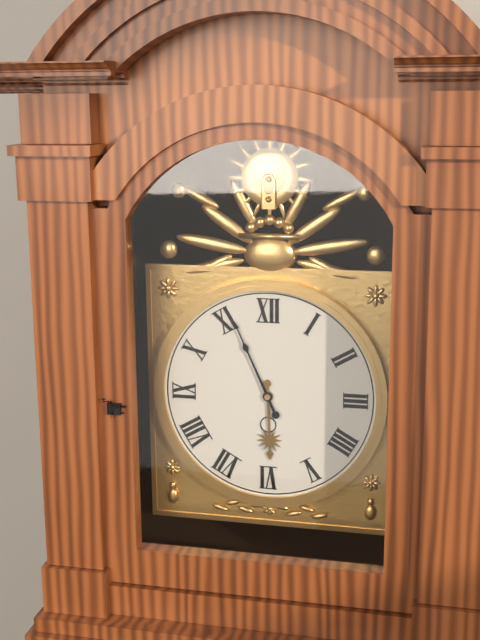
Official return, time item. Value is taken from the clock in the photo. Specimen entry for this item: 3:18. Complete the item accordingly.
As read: 5:56
